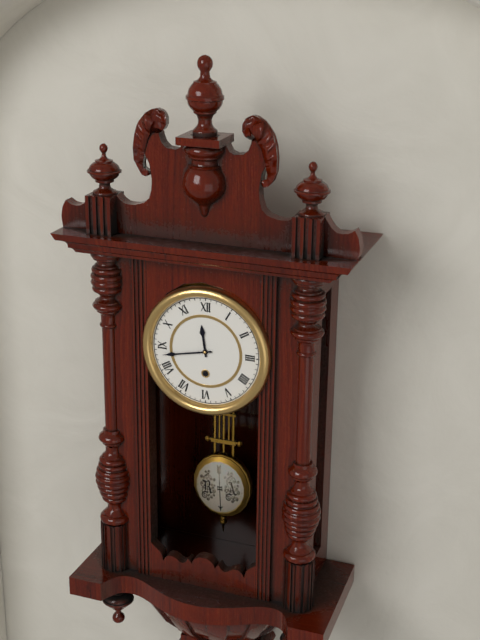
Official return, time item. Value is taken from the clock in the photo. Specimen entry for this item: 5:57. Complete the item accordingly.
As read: 11:43
